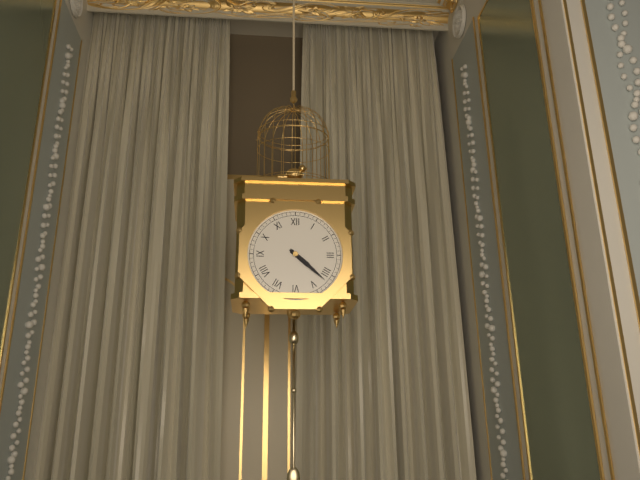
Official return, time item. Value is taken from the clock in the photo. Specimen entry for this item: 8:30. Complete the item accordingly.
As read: 4:22
